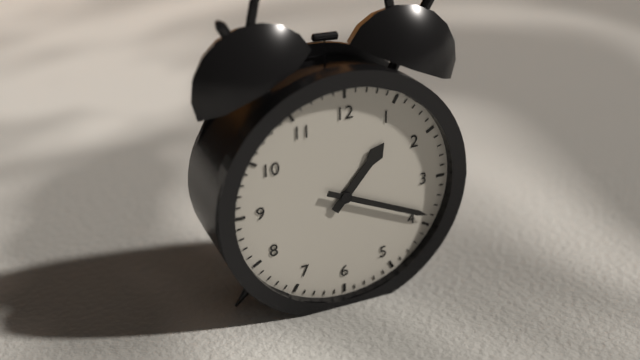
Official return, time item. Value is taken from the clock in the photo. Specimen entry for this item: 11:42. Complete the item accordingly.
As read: 1:19
